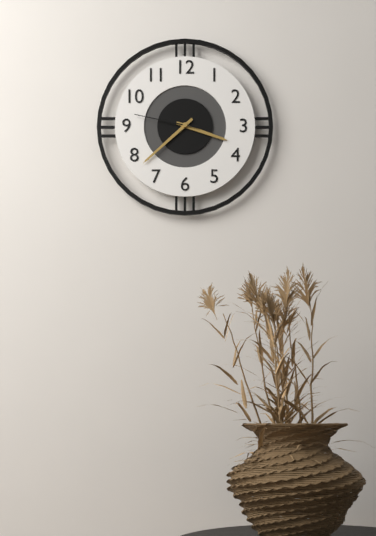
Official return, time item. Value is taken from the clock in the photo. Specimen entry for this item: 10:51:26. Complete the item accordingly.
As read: 3:38:47
